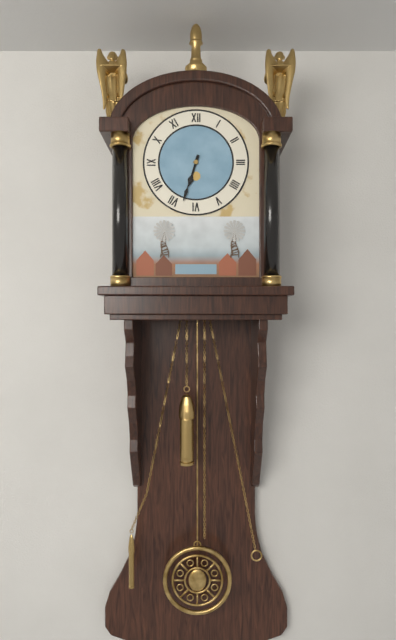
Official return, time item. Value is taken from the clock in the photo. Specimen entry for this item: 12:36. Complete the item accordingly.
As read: 6:33
